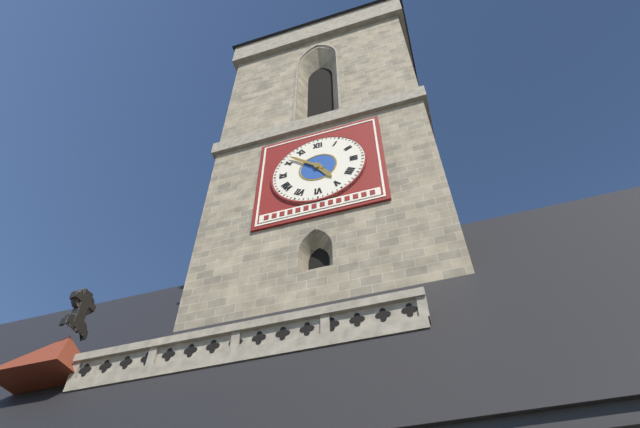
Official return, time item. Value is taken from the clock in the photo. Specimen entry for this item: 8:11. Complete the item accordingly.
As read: 4:52
